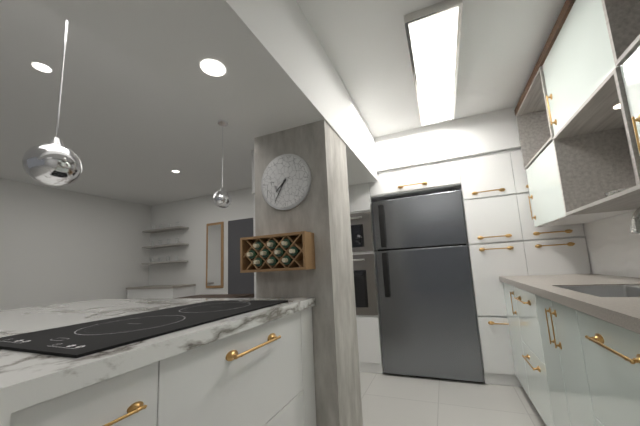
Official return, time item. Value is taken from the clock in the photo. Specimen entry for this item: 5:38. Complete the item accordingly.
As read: 7:35
